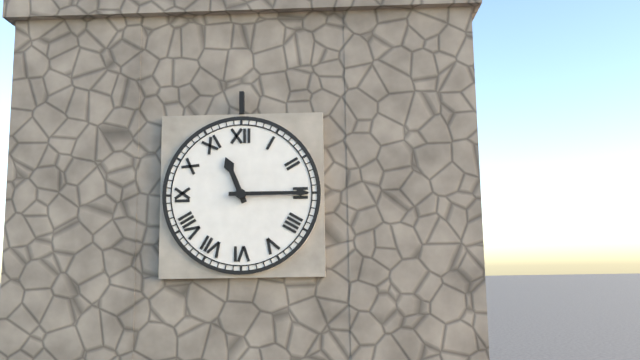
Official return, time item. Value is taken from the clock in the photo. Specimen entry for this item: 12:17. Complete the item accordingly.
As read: 11:15
